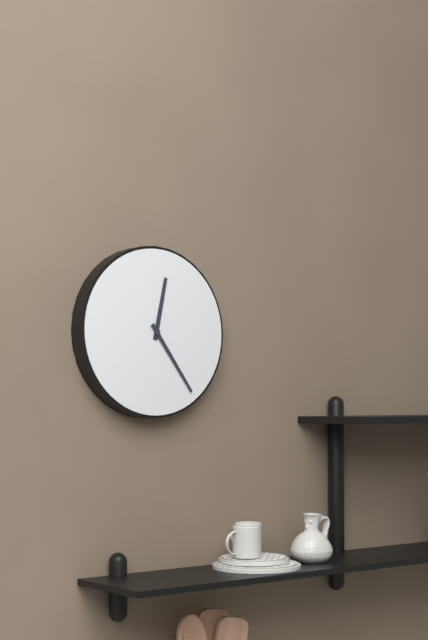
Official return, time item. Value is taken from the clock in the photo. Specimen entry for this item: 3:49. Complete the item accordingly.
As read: 12:24
